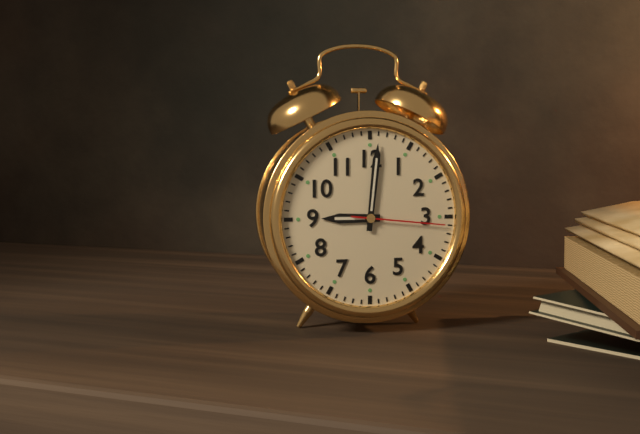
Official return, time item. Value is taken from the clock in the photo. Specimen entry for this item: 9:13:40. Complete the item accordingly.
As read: 9:01:16
